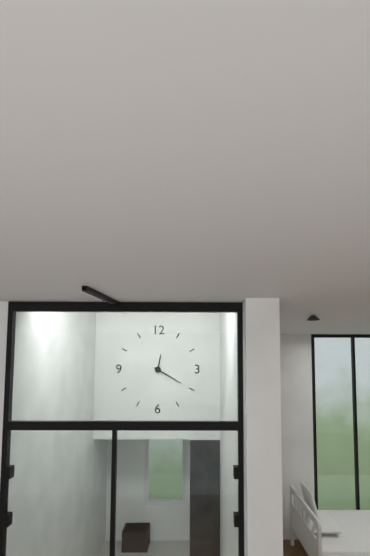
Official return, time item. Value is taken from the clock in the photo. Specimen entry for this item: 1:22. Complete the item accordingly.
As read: 12:20
